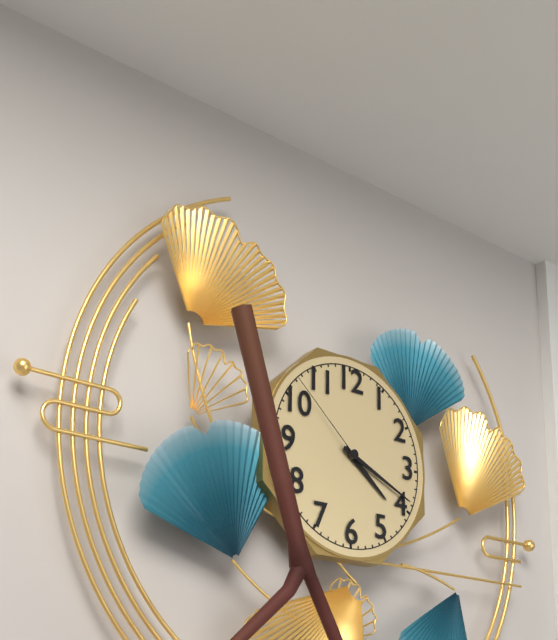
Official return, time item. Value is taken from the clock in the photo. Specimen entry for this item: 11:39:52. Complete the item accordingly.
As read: 4:19:52
